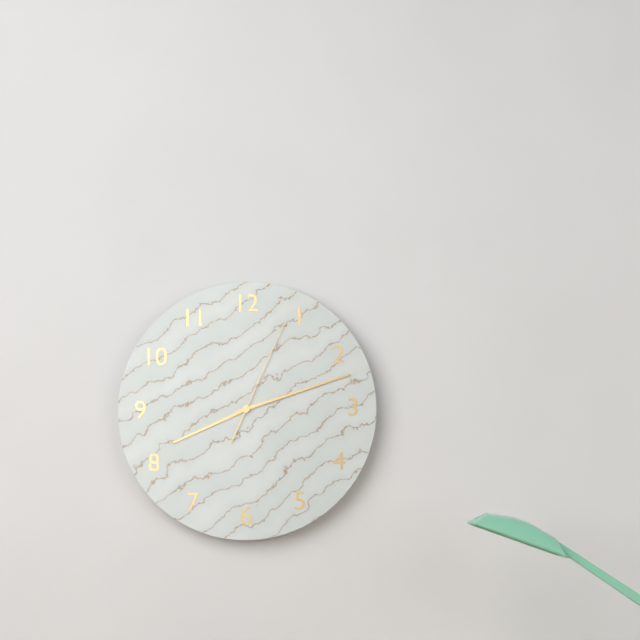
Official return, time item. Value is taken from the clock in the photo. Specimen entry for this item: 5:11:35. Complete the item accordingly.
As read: 8:12:04
